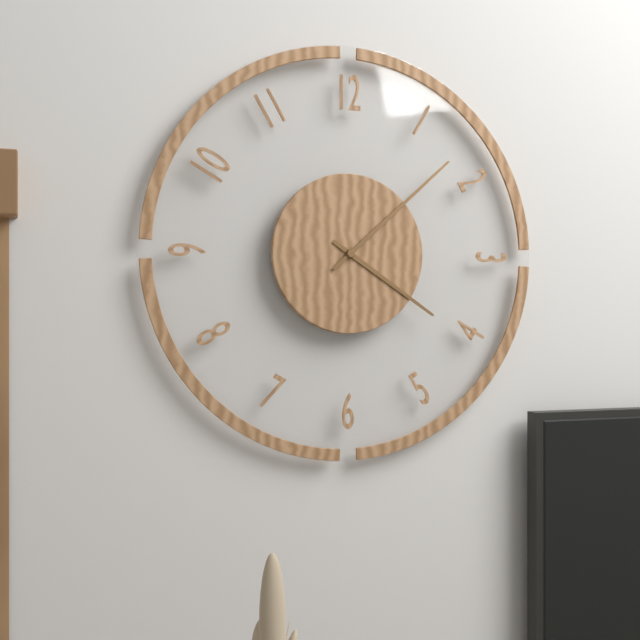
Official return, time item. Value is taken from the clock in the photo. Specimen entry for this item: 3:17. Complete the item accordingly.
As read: 4:08
